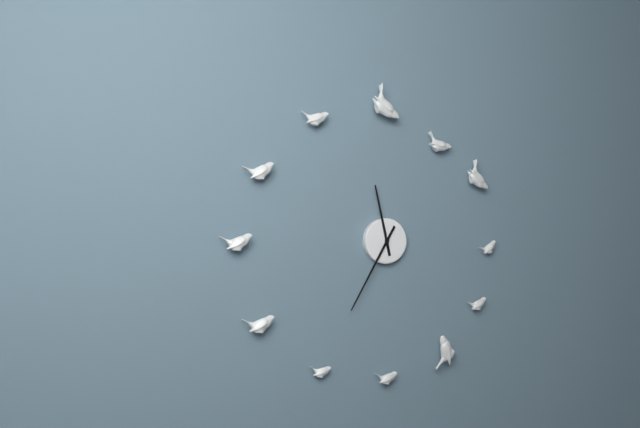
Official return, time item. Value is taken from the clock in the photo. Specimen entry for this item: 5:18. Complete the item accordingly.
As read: 11:35
